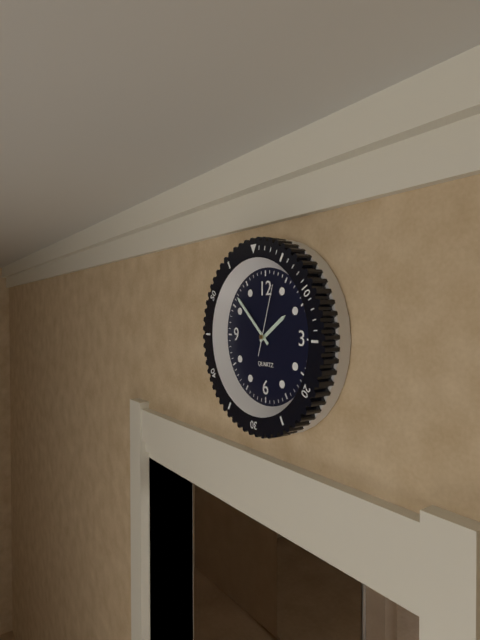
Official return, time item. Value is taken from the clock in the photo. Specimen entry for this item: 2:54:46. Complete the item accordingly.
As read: 1:52:03
